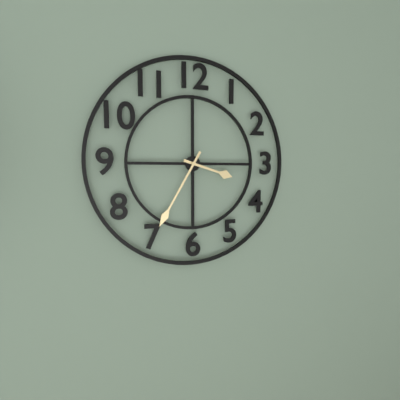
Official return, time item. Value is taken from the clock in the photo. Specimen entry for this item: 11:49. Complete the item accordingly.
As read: 3:35
